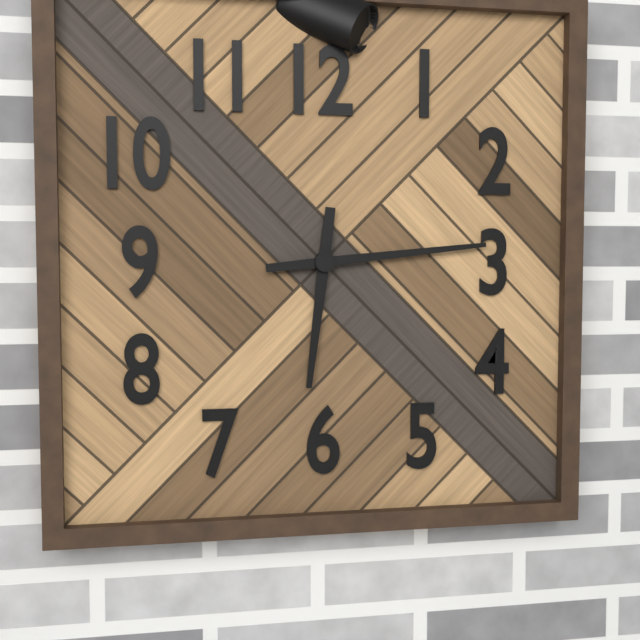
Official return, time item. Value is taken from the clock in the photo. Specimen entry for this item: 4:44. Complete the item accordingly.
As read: 6:14
